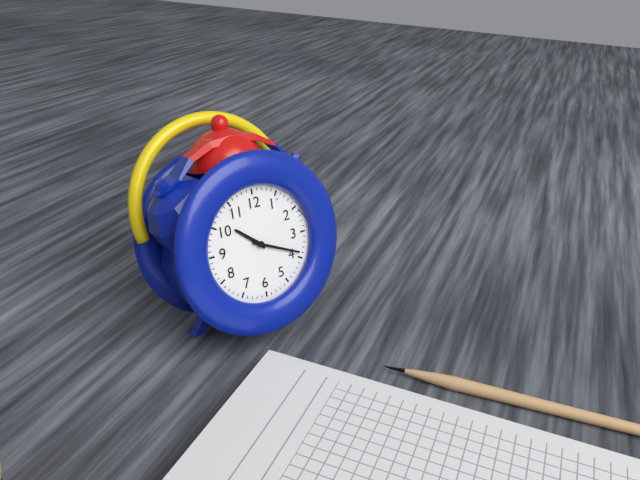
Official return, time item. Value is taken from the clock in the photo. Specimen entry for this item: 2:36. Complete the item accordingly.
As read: 10:19
